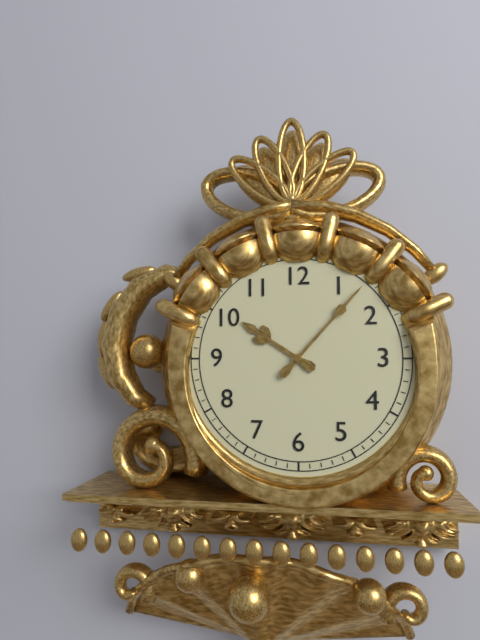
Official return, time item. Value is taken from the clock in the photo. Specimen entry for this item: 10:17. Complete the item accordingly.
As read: 10:07
